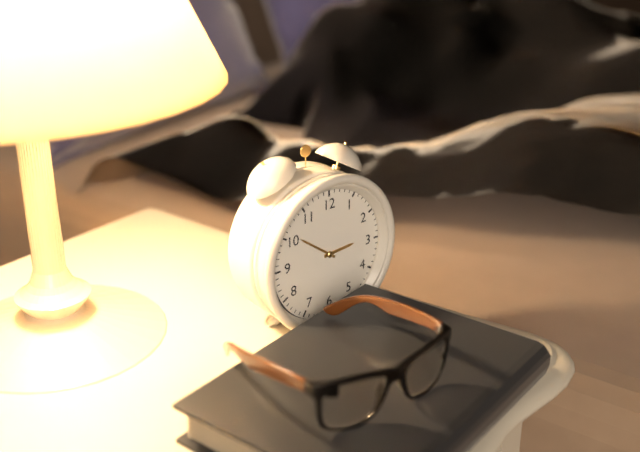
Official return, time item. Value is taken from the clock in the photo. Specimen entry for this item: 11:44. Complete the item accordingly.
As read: 2:51
